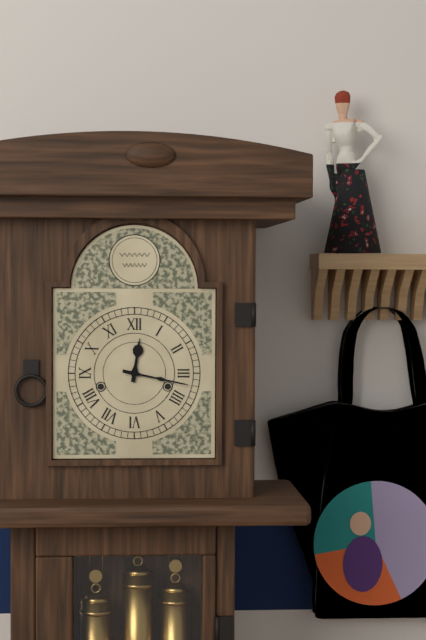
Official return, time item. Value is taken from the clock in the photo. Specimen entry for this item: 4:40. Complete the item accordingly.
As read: 12:17
